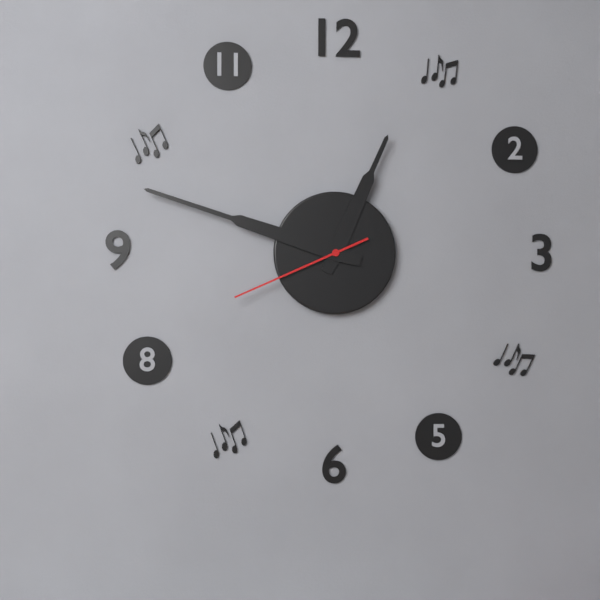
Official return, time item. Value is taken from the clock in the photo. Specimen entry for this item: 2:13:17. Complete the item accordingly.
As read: 12:48:41
